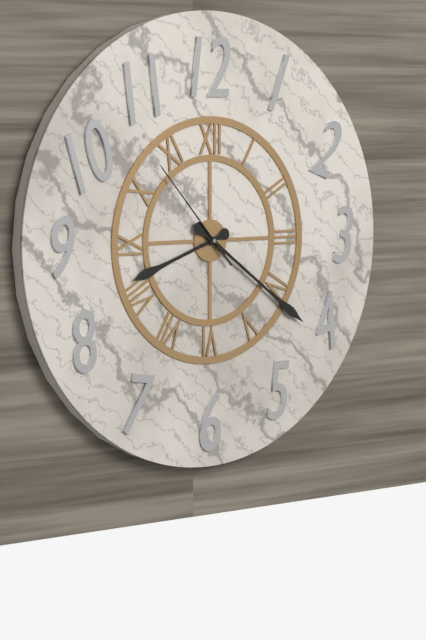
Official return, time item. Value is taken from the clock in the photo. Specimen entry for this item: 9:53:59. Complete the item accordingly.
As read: 8:21:53
